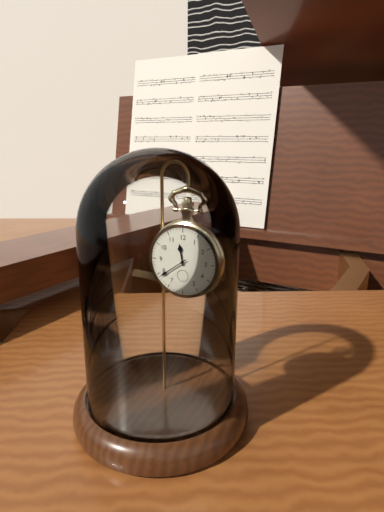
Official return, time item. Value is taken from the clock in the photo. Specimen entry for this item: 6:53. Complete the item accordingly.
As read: 11:39
